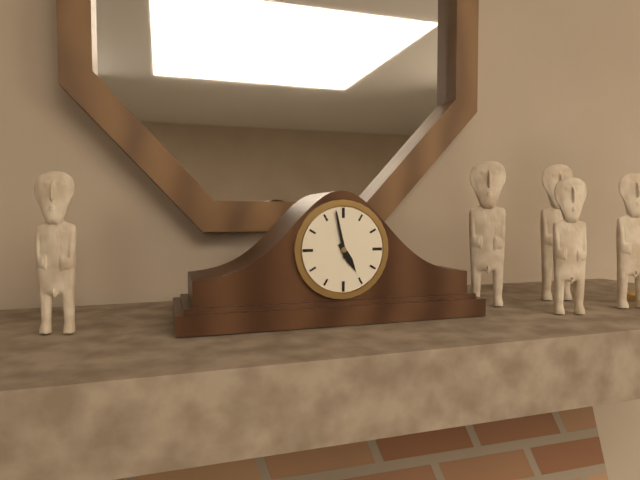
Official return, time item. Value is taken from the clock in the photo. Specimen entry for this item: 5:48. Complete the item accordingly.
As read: 4:58
